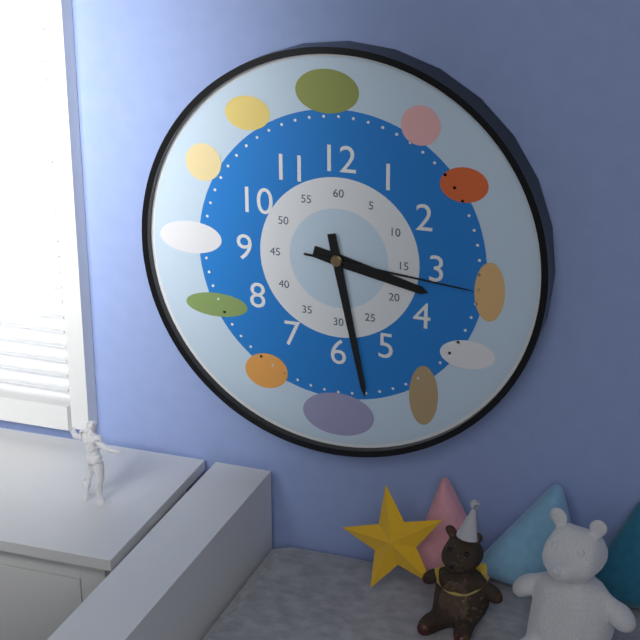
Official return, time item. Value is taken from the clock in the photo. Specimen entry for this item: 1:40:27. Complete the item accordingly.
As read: 3:28:16
